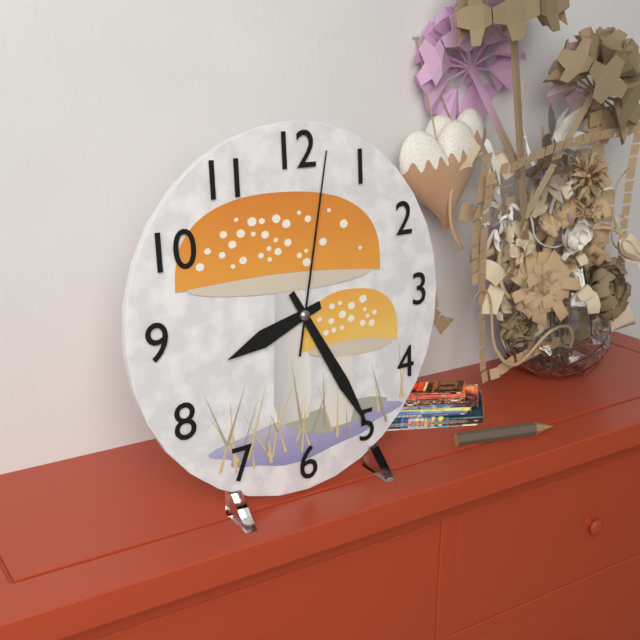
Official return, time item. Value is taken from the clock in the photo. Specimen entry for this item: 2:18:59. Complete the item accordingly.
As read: 8:25:02
